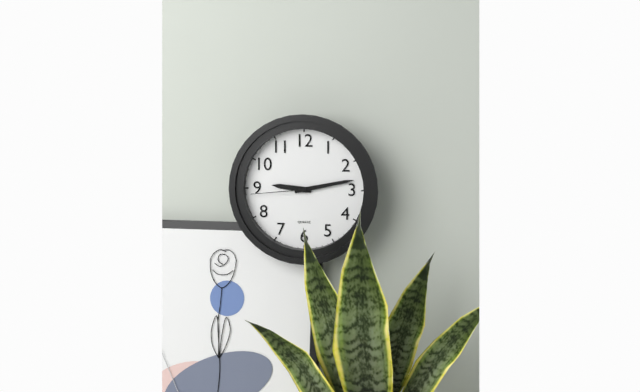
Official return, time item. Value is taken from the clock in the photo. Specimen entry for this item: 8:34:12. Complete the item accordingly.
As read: 9:13:44
